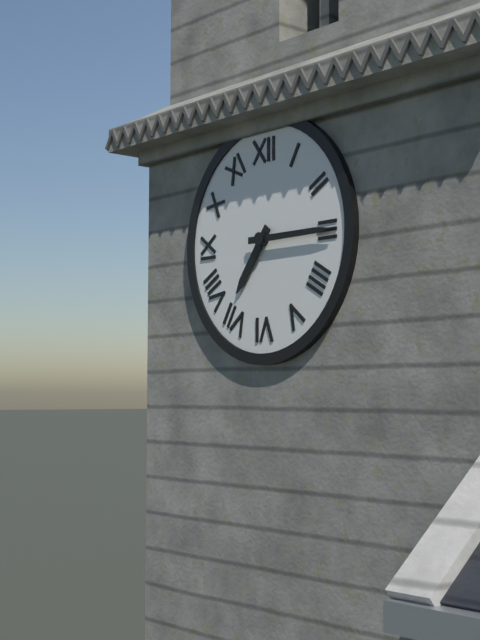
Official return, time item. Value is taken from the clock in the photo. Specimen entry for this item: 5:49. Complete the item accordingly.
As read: 7:15
